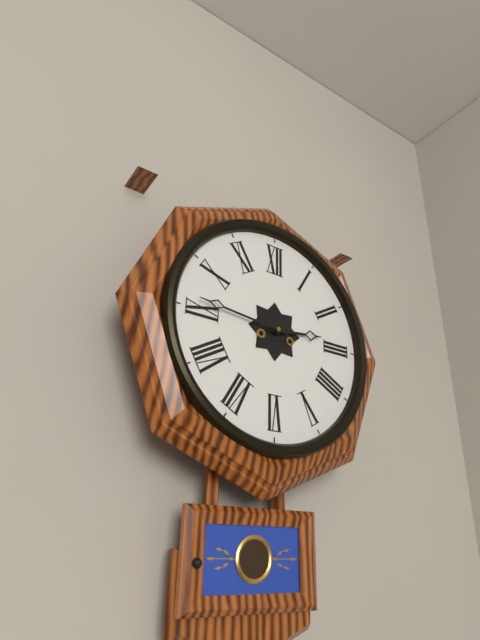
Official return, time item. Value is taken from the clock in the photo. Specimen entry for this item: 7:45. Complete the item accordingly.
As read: 2:46
